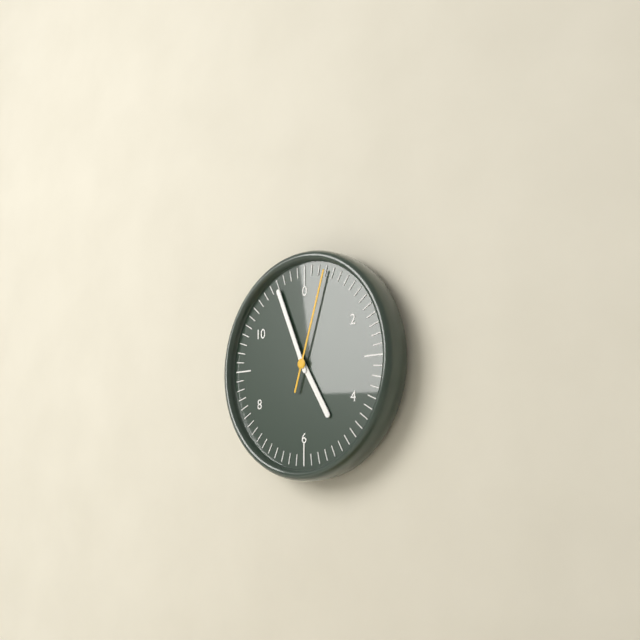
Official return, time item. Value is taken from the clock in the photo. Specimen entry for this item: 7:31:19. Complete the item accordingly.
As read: 4:56:03
